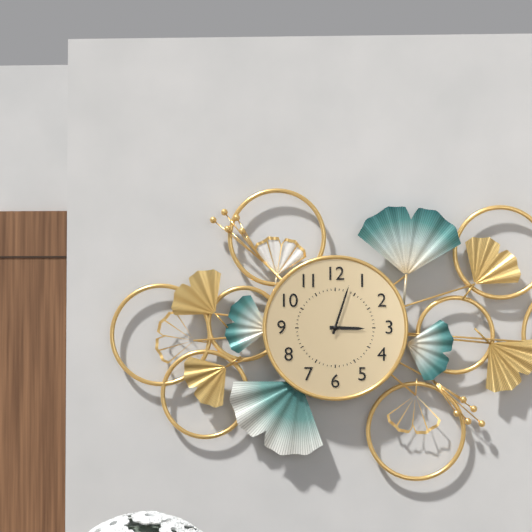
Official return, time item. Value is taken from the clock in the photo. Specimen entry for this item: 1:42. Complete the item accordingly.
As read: 3:03
